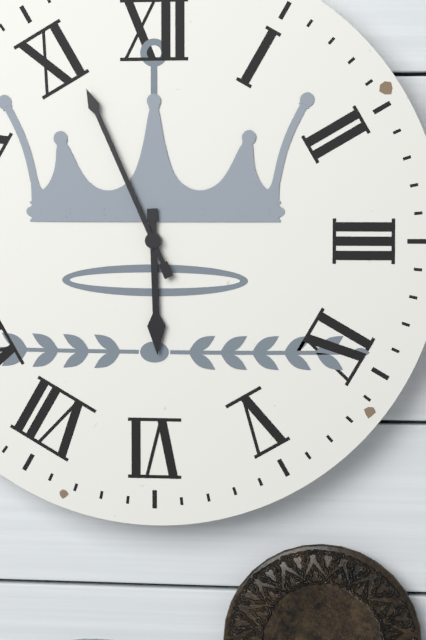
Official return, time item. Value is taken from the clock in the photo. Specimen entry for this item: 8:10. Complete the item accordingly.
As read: 5:56
